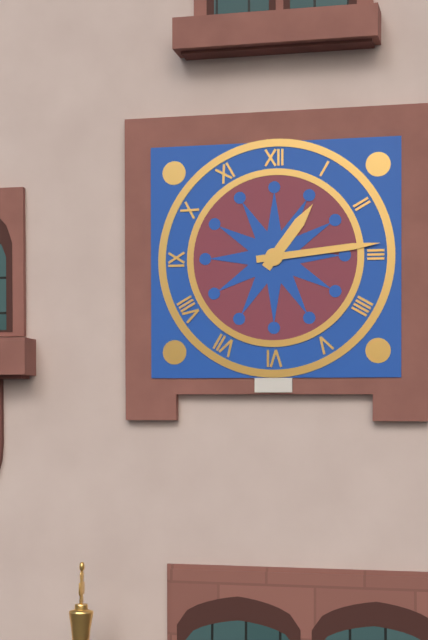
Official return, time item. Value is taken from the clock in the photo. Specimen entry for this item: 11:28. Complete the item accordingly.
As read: 1:14
